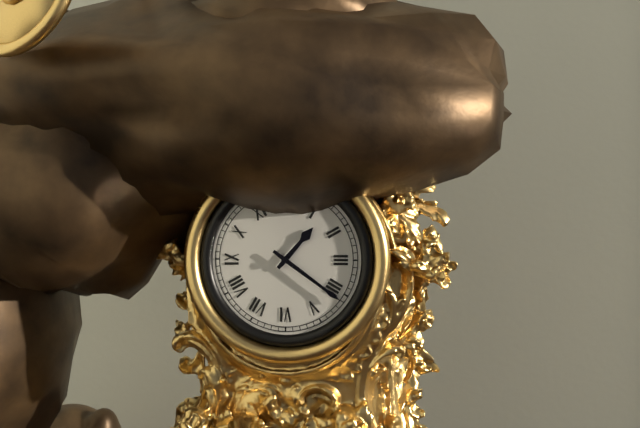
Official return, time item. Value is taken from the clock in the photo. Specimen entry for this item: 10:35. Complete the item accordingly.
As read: 1:21
